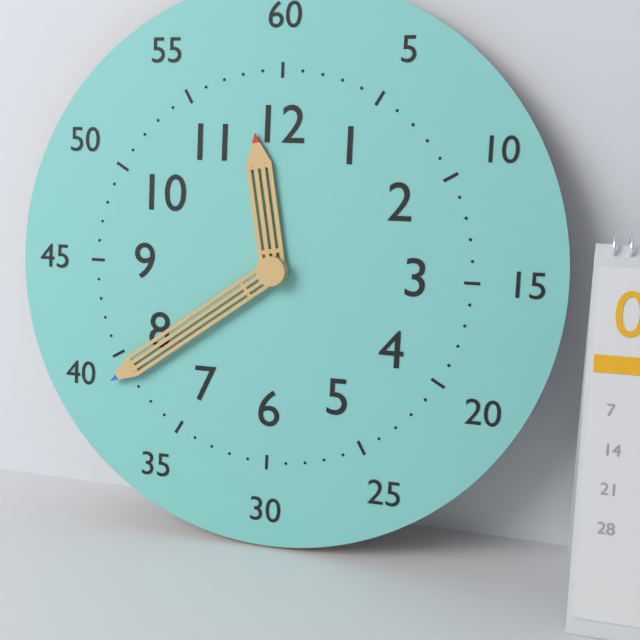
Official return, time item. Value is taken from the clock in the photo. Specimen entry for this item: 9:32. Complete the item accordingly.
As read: 11:39
